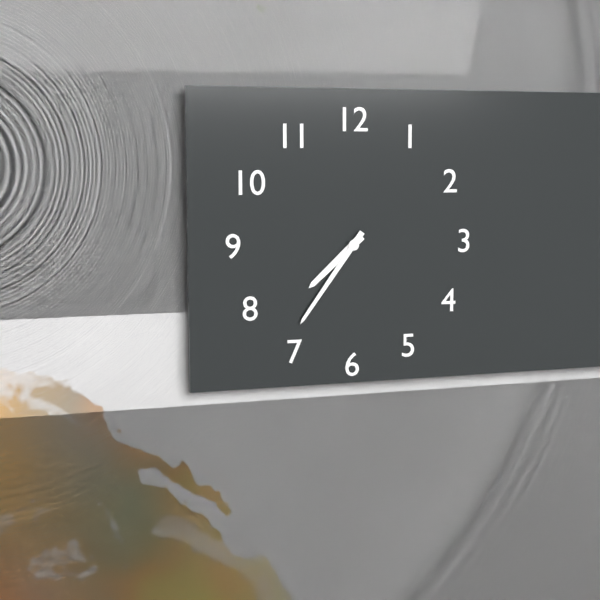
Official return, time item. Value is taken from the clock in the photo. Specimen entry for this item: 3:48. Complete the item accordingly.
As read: 7:36
